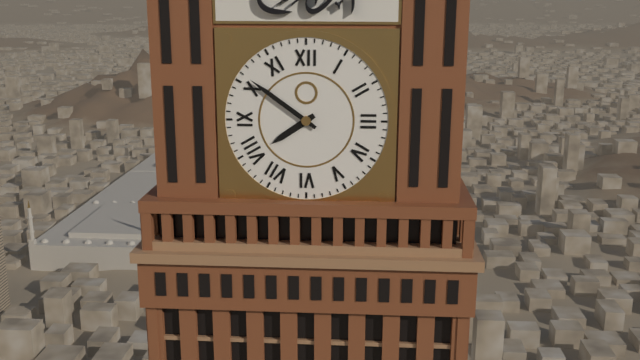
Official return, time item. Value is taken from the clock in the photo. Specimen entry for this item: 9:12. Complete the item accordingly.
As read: 7:51
